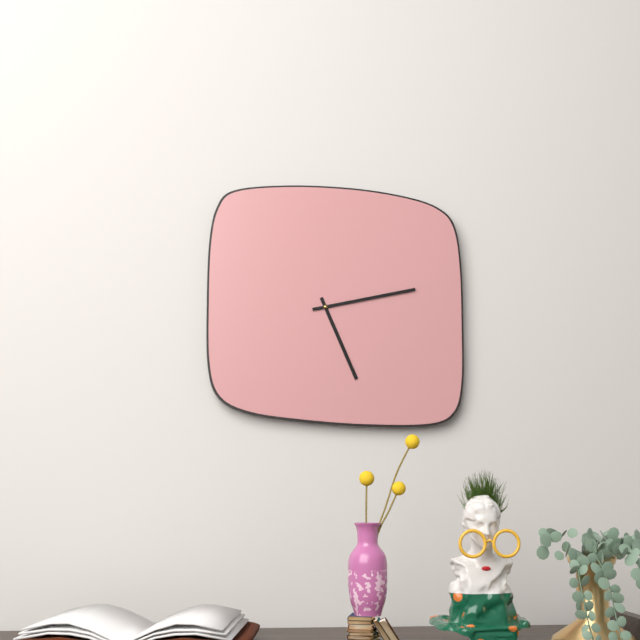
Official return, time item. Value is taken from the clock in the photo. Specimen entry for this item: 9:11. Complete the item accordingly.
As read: 5:13
